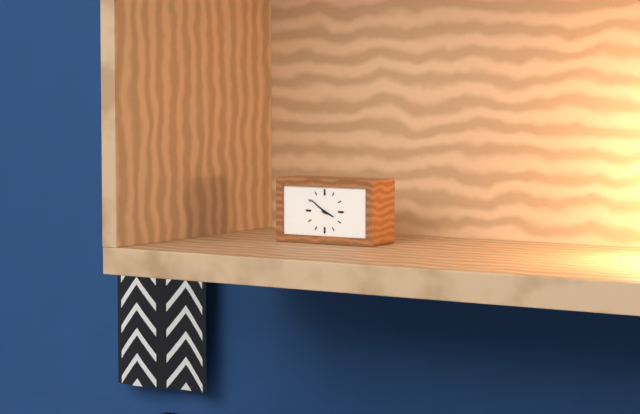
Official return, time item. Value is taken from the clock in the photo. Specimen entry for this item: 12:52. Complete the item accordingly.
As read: 3:51
